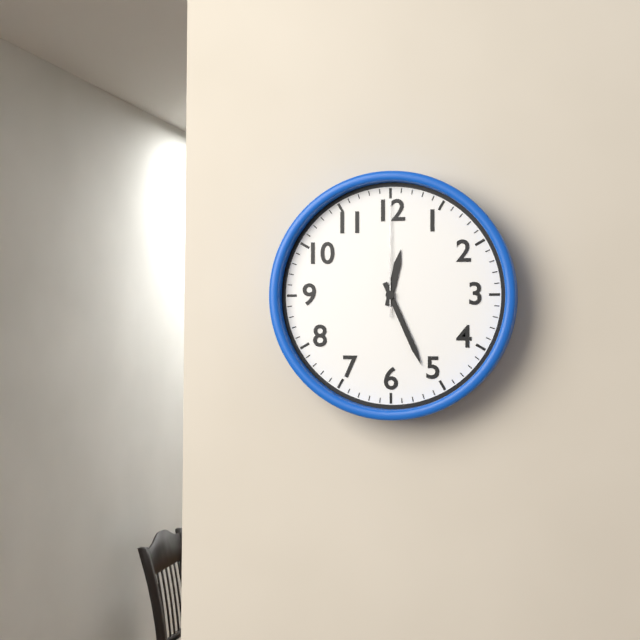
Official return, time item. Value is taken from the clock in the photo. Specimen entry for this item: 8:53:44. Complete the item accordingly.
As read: 12:26:00
